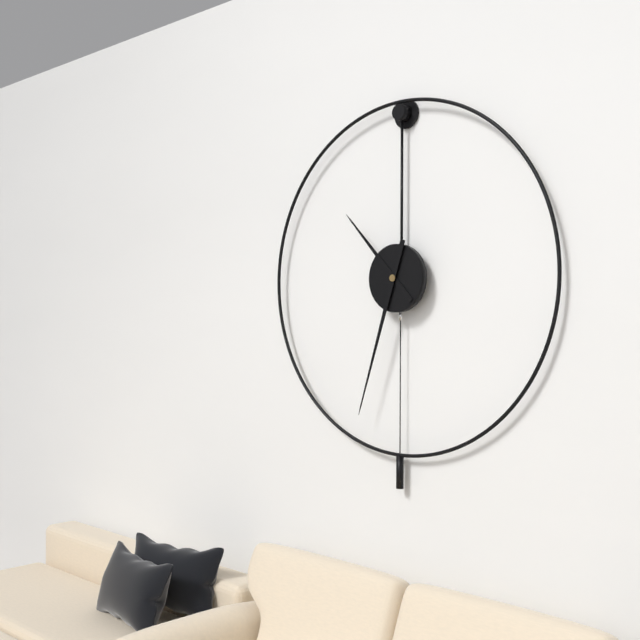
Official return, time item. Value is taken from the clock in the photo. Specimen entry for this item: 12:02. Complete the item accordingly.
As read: 10:33
